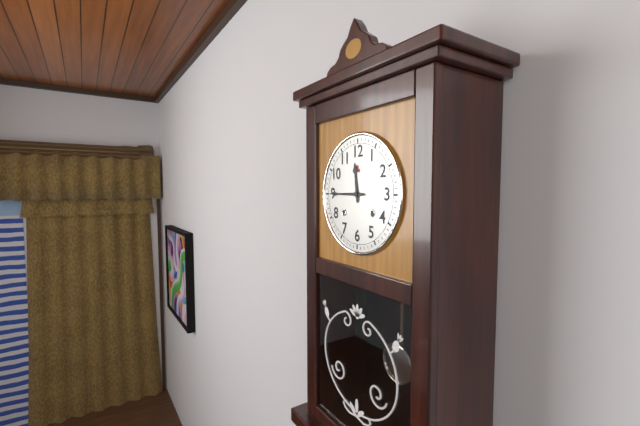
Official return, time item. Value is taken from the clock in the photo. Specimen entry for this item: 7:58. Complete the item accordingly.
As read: 11:45
